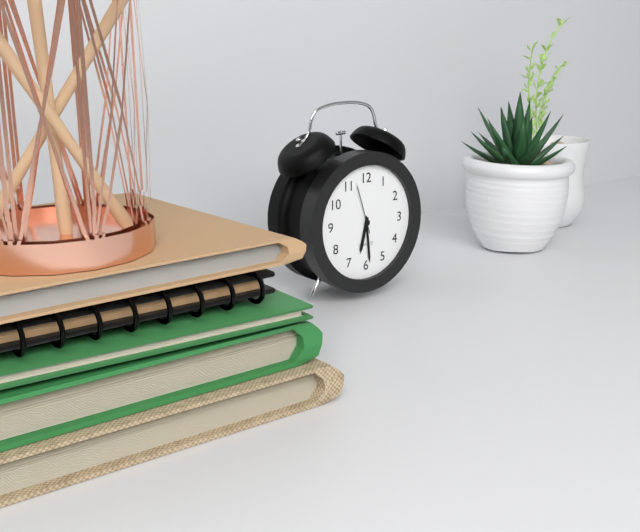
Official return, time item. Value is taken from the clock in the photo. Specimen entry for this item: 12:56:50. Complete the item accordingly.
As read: 6:29:57
